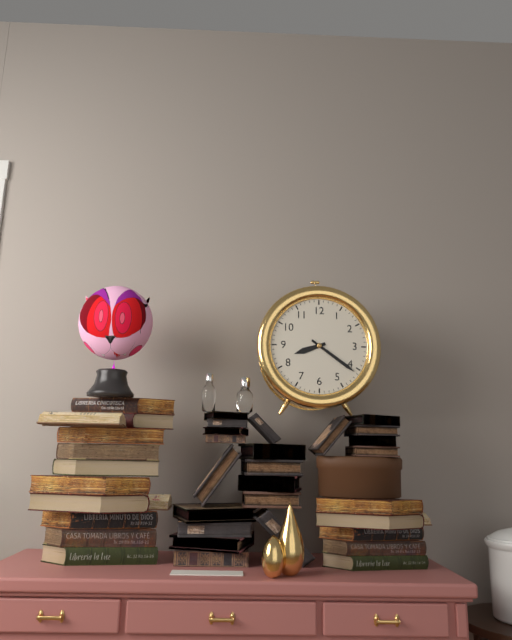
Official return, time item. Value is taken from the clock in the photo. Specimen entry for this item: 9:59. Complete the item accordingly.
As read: 8:21
